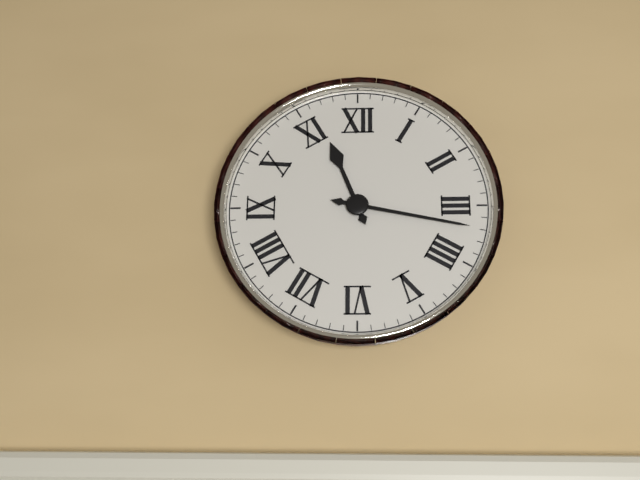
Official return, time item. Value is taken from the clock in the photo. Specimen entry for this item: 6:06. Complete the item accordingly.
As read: 11:17
